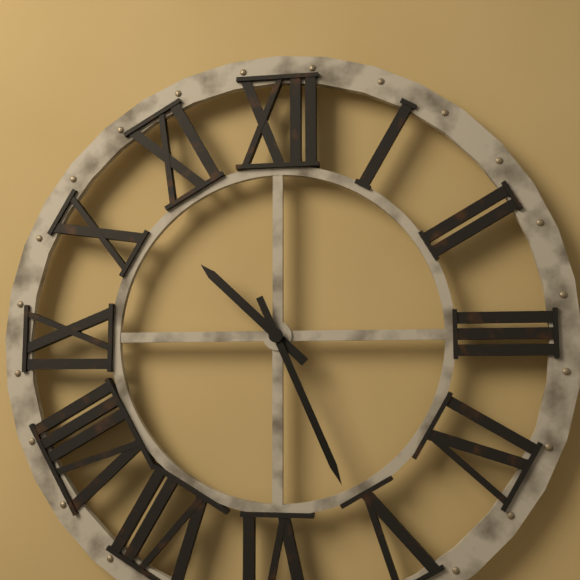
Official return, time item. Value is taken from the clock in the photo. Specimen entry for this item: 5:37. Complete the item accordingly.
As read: 10:26
